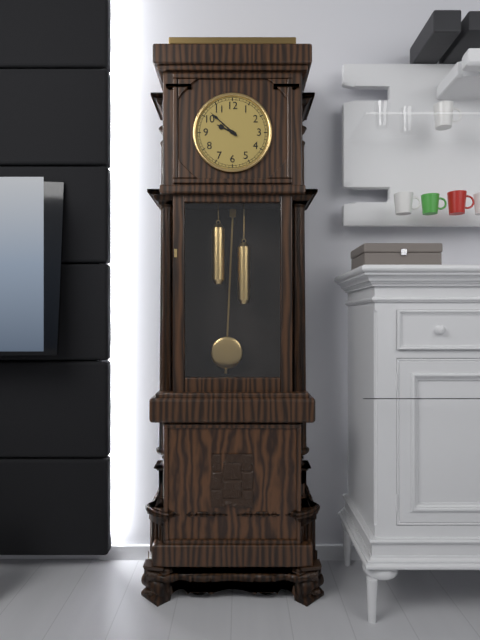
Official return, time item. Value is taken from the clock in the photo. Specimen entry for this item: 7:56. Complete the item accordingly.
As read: 9:52
